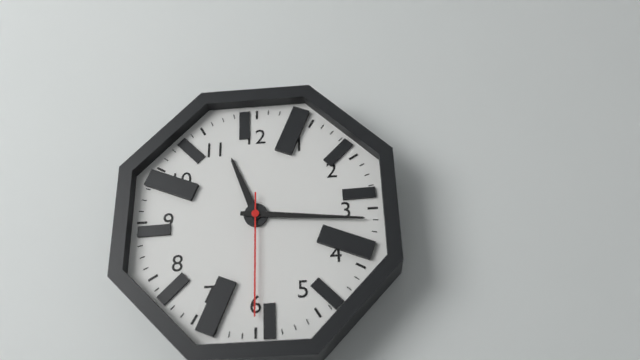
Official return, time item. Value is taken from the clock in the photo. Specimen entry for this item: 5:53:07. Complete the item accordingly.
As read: 11:16:30
